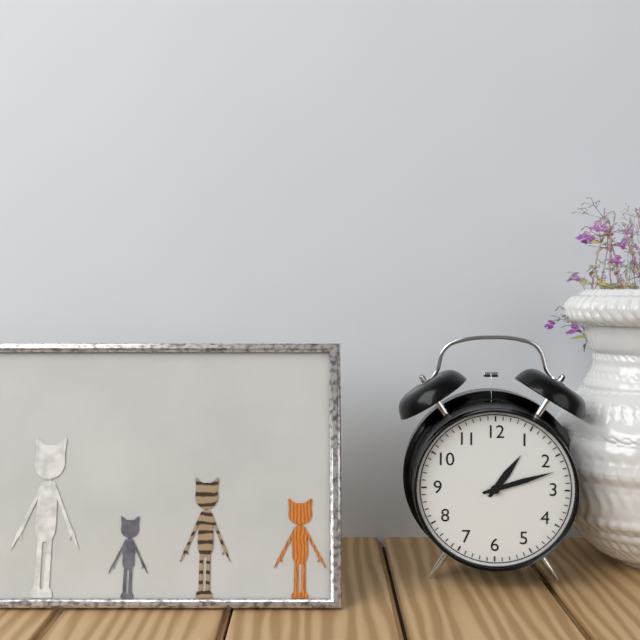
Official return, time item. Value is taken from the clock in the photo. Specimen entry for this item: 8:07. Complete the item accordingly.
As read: 1:12
